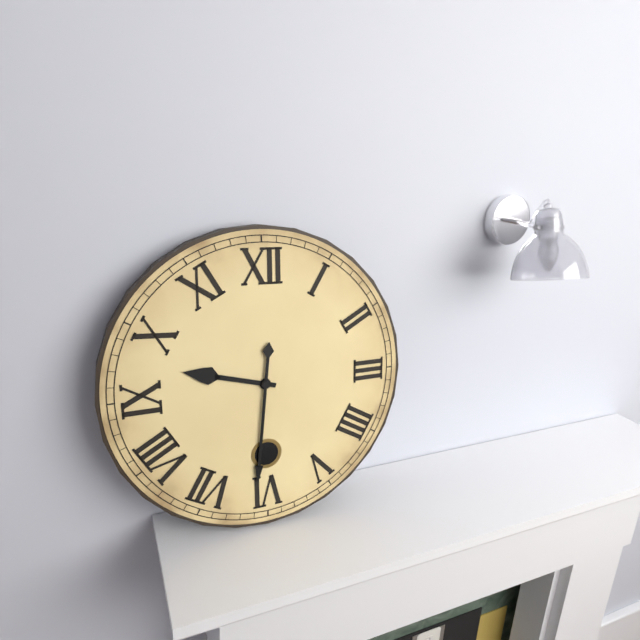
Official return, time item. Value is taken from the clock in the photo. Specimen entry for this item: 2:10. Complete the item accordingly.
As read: 9:31
